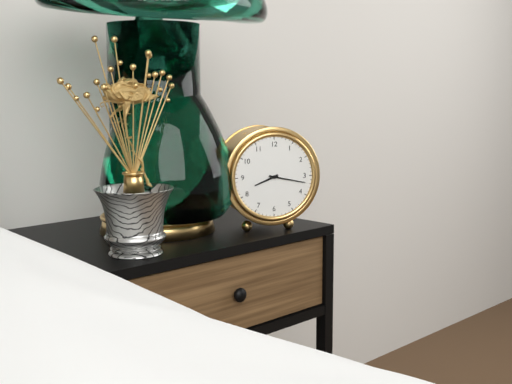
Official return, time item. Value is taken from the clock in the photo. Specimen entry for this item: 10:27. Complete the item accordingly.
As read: 8:17
